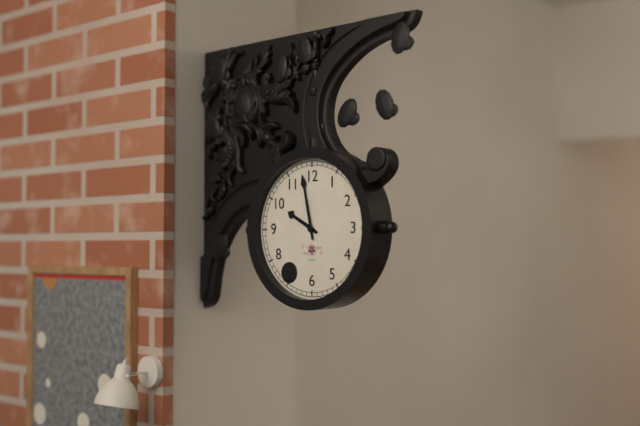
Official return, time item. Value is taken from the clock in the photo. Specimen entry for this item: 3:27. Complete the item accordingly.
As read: 9:58
